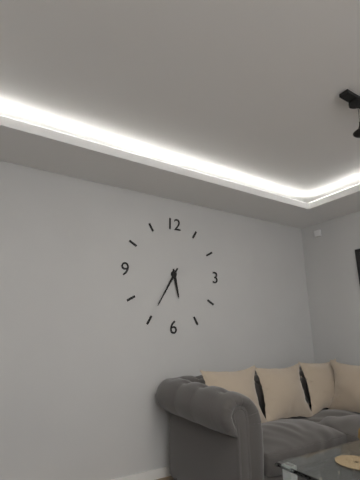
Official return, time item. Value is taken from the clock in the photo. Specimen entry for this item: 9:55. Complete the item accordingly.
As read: 5:35
